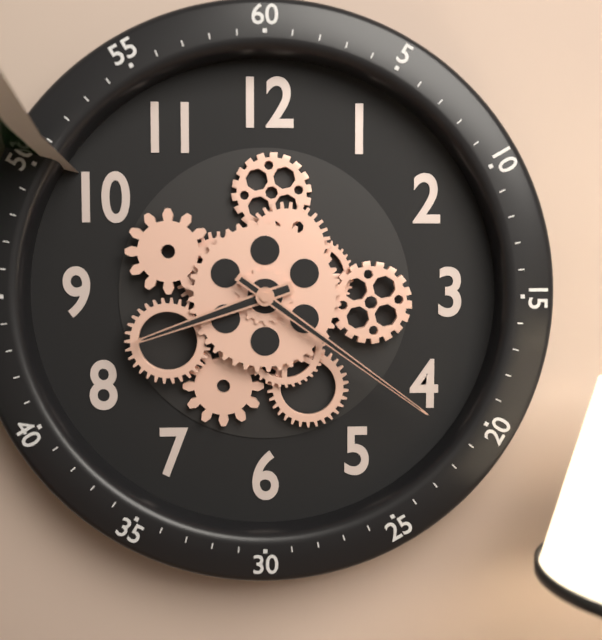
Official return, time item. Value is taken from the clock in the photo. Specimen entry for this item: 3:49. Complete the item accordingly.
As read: 8:21
